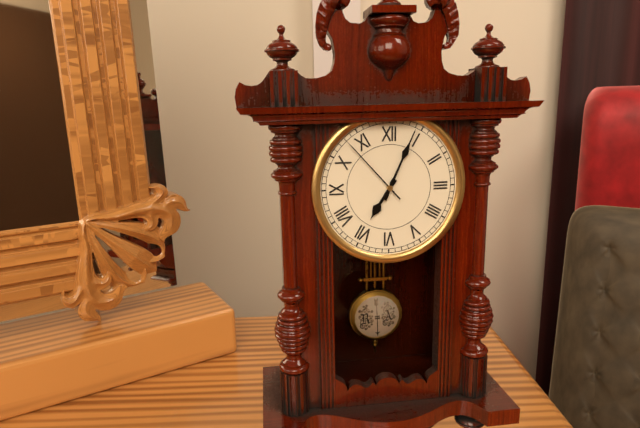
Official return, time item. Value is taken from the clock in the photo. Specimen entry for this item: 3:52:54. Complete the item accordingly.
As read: 7:04:53
